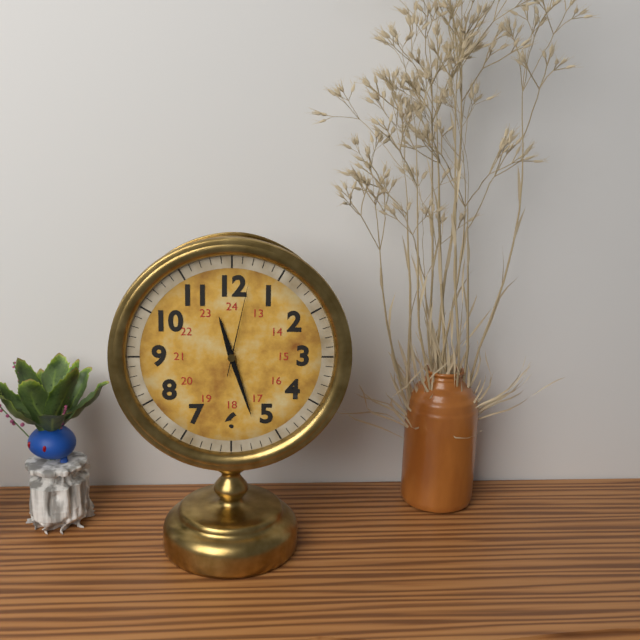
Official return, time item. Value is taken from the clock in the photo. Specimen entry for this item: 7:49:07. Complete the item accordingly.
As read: 11:27:02
